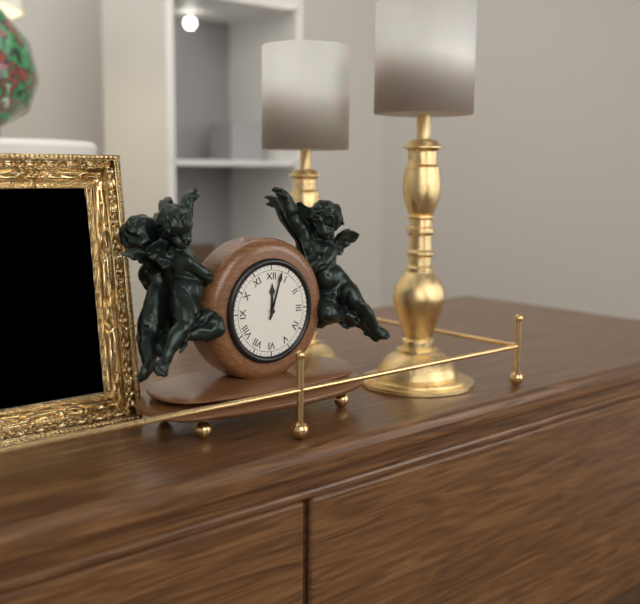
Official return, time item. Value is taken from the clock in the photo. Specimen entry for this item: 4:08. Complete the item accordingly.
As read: 12:03
